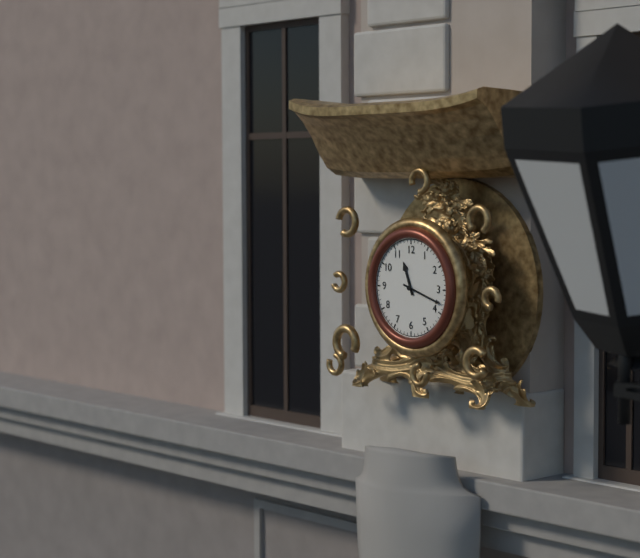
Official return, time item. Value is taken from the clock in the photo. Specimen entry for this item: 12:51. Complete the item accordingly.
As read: 11:18
